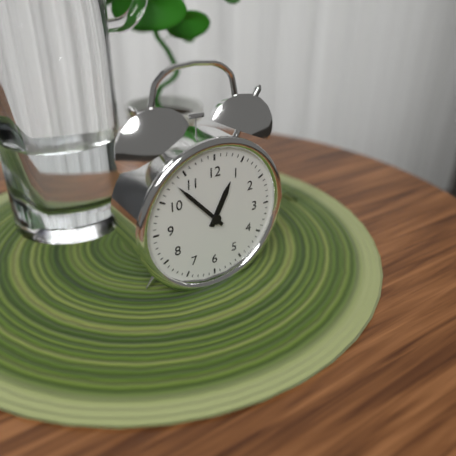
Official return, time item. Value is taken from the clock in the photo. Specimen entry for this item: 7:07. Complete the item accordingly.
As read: 12:53
